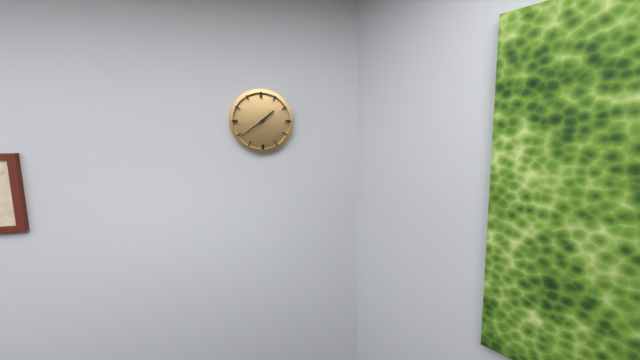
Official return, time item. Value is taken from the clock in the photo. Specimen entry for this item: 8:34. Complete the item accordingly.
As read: 1:39
